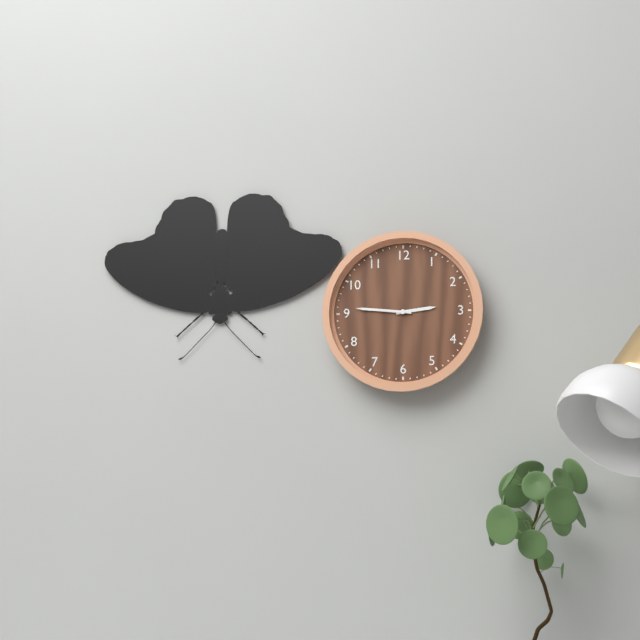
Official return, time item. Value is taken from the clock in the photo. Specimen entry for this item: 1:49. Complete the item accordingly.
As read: 2:46
